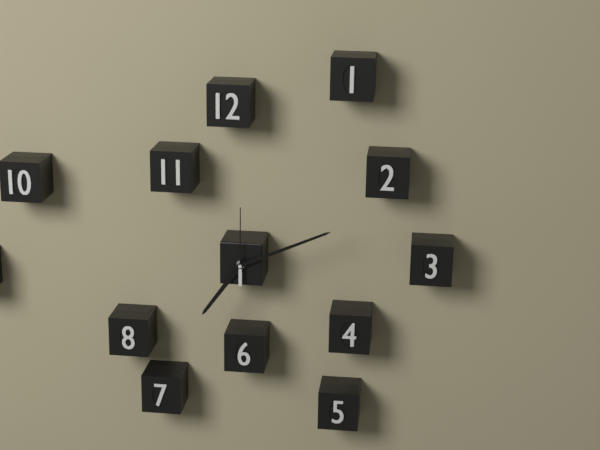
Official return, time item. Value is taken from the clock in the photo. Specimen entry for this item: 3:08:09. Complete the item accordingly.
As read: 7:11:00
